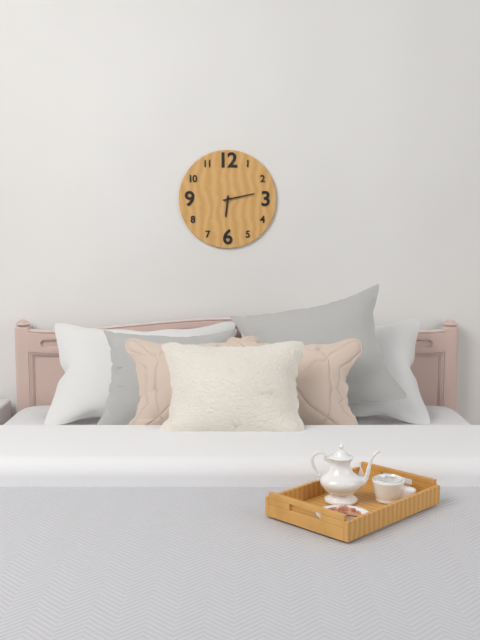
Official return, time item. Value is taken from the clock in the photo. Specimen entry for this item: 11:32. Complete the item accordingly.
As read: 6:13
